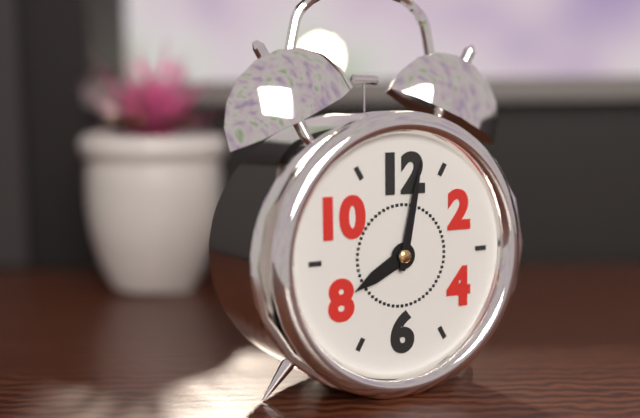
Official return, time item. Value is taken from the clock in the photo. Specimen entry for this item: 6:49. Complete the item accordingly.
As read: 8:02
